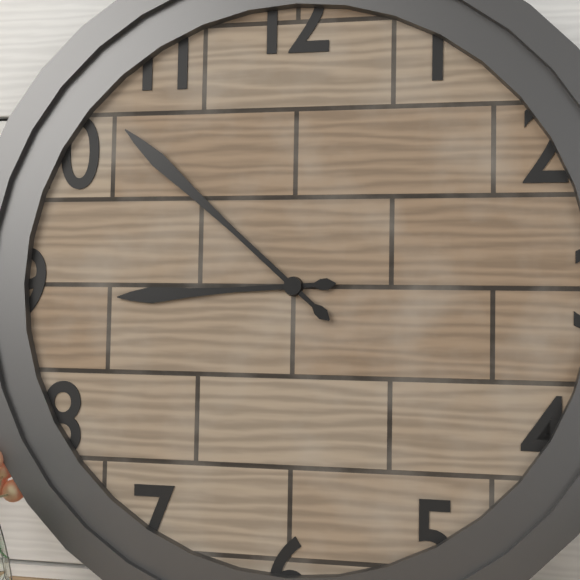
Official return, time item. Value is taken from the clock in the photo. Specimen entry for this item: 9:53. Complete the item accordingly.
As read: 8:52
